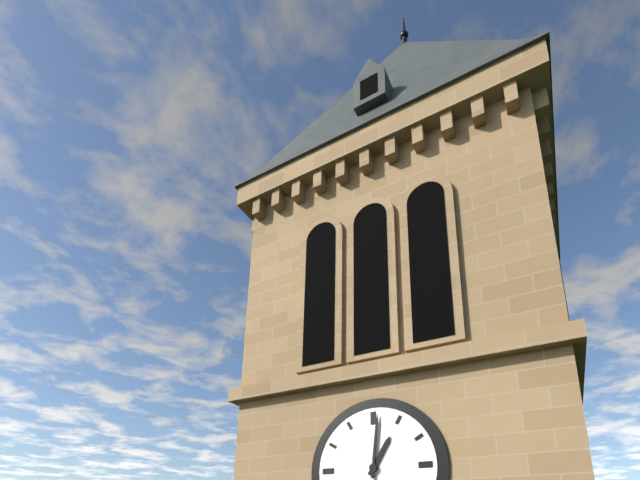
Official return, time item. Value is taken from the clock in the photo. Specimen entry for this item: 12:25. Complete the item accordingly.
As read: 1:01
